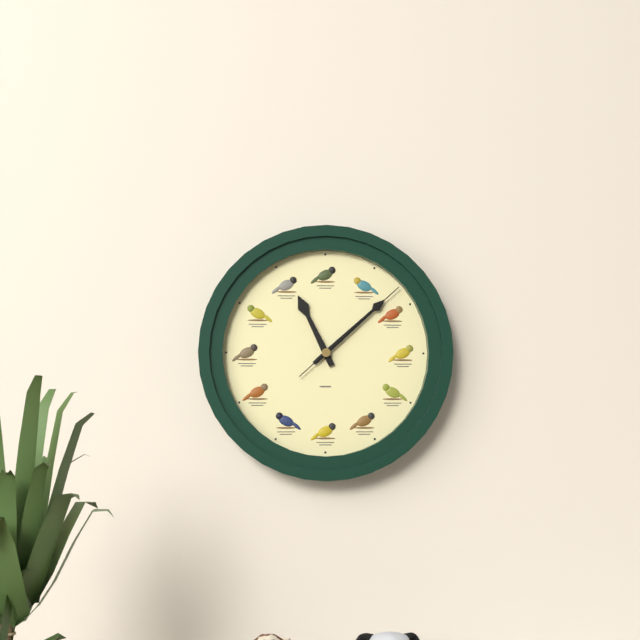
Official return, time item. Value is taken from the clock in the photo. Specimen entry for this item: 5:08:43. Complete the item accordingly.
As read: 11:08:08
